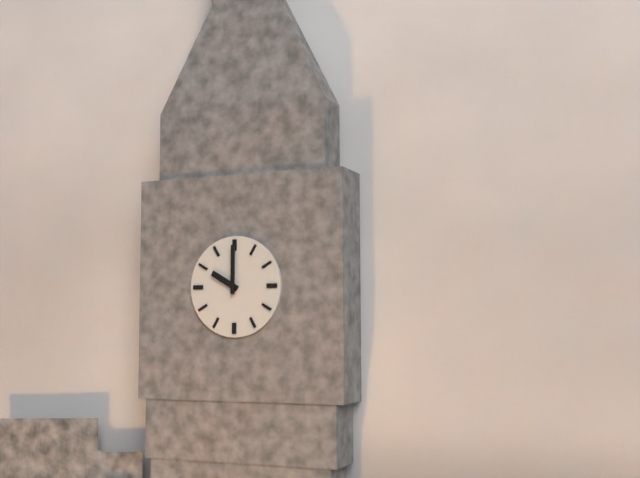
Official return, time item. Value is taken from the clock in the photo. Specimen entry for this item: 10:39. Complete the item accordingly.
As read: 10:00
